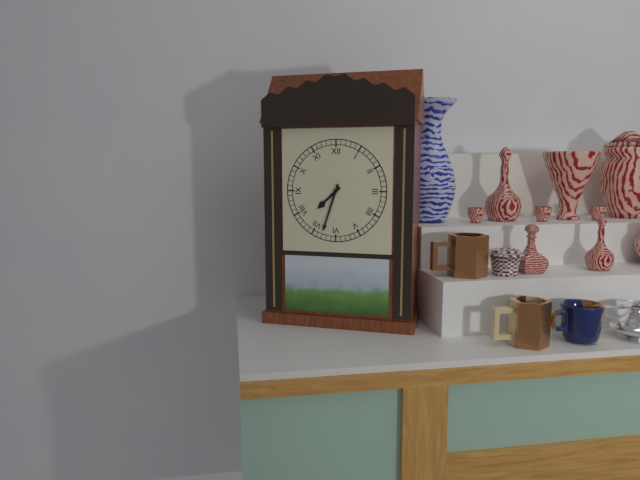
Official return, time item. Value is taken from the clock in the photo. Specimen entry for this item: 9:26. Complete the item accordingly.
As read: 7:33
